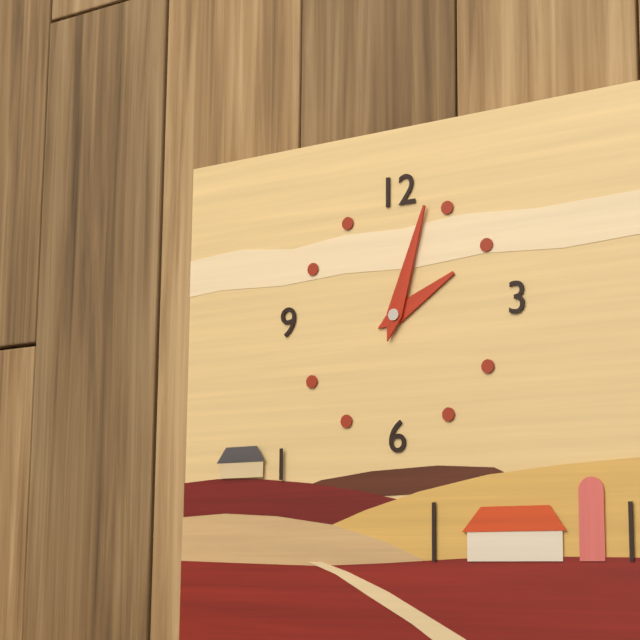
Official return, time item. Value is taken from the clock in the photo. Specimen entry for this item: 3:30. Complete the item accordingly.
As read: 2:03
